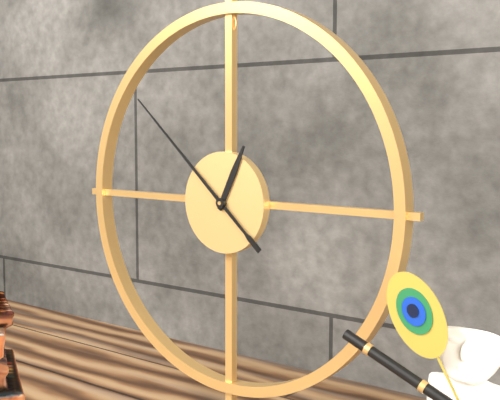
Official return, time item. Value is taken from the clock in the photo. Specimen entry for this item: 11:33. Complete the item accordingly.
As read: 12:52
